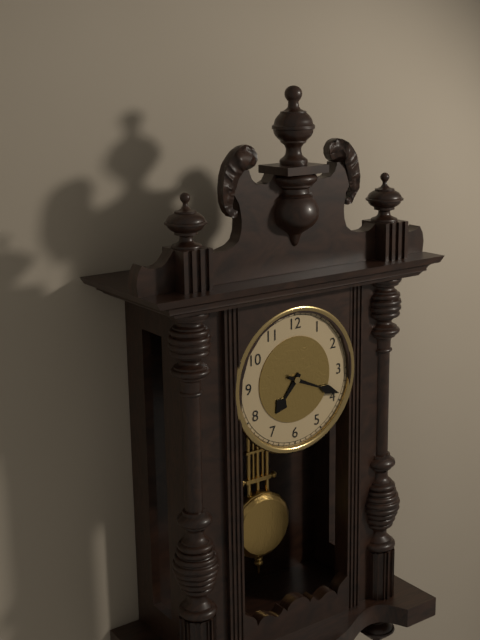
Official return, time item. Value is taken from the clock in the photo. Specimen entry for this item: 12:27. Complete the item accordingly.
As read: 7:19
